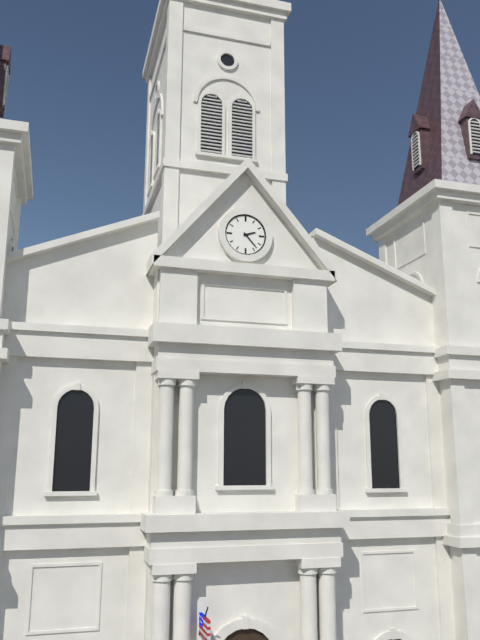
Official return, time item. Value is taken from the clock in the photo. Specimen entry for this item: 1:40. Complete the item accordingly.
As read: 2:23
